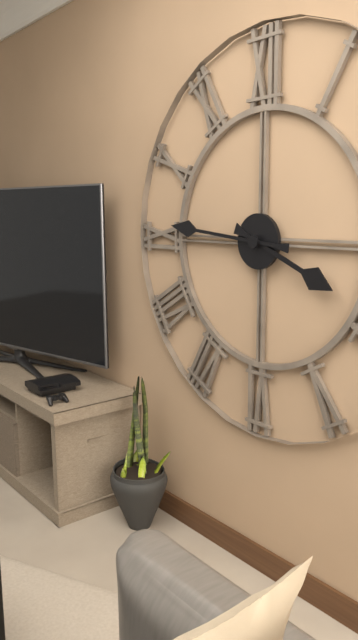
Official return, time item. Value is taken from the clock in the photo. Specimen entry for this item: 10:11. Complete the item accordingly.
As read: 3:46
